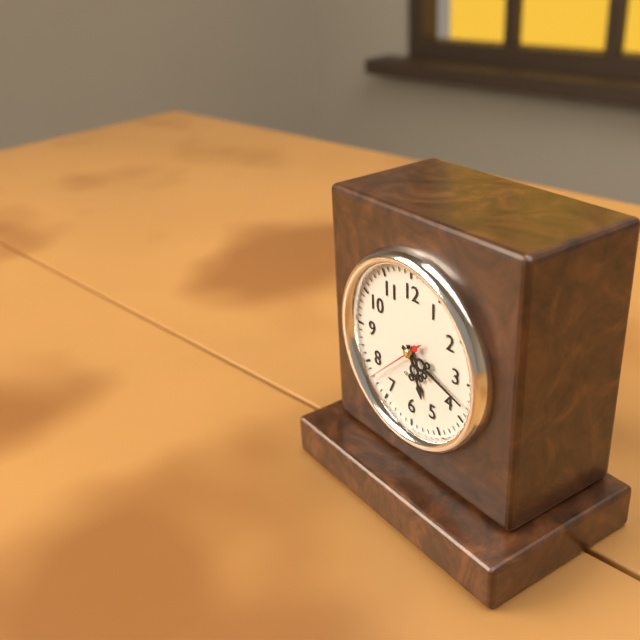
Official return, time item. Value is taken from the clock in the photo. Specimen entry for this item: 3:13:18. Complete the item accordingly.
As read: 5:18:38
